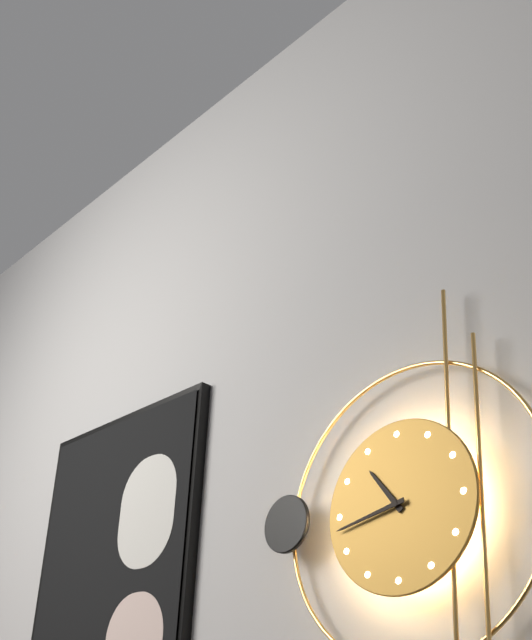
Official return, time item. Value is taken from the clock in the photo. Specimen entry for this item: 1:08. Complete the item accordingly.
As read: 10:43
